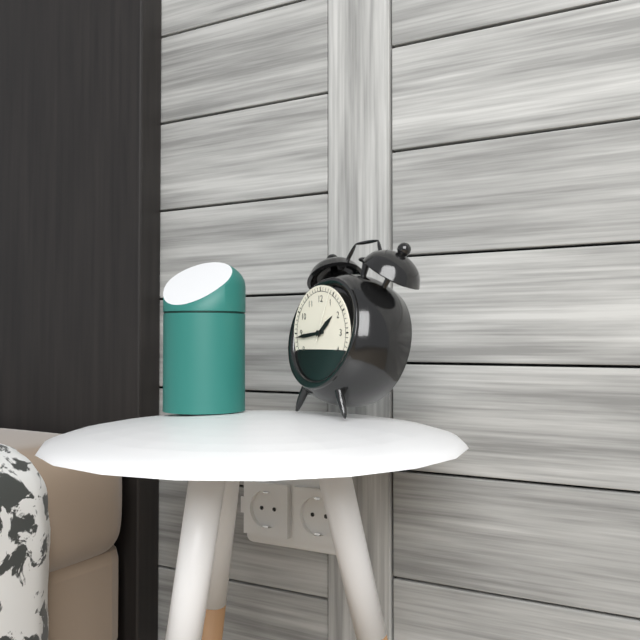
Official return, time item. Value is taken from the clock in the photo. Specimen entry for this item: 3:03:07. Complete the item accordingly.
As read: 1:44:04
